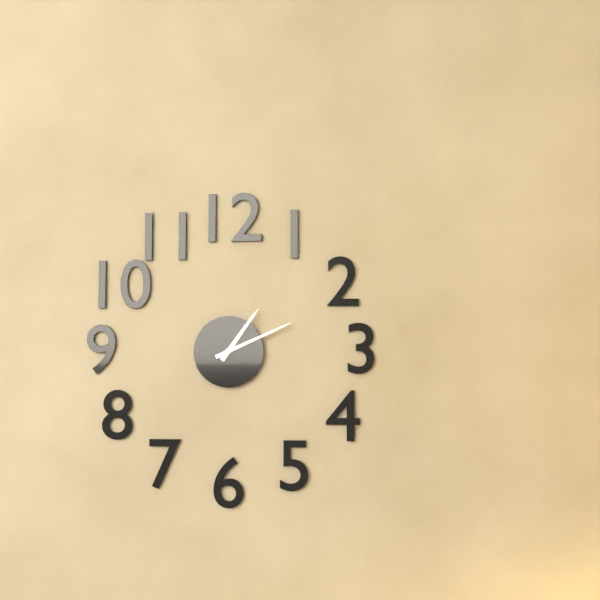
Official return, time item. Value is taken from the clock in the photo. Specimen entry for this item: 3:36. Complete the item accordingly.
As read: 1:11
